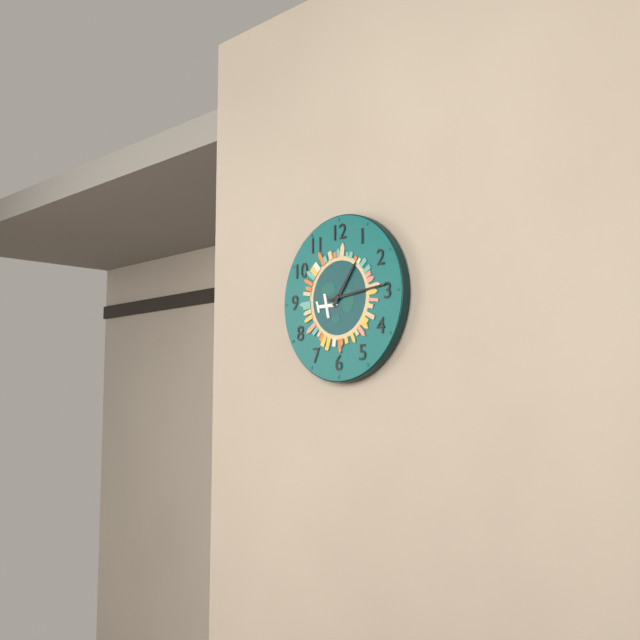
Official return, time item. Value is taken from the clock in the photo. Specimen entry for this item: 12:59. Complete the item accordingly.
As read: 1:14
